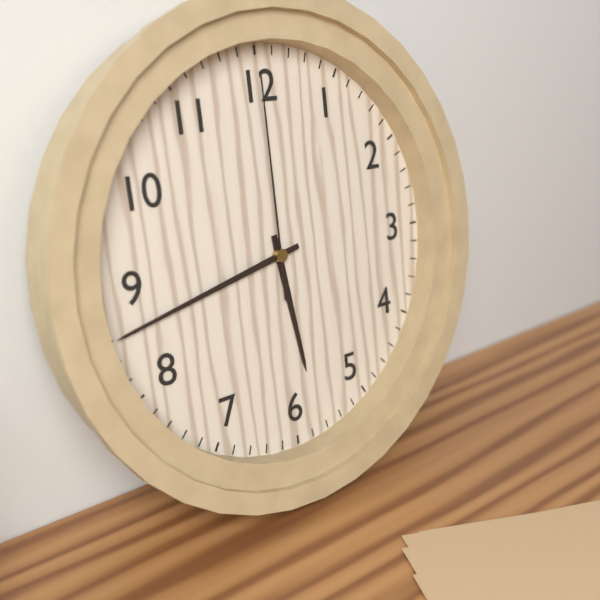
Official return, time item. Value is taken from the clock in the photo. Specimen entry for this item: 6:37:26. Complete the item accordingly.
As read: 5:43:00
